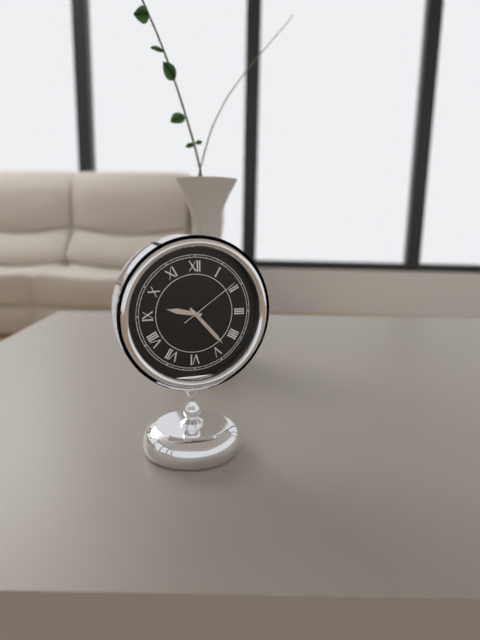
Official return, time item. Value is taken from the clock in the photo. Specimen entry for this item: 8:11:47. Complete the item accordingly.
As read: 9:23:09
